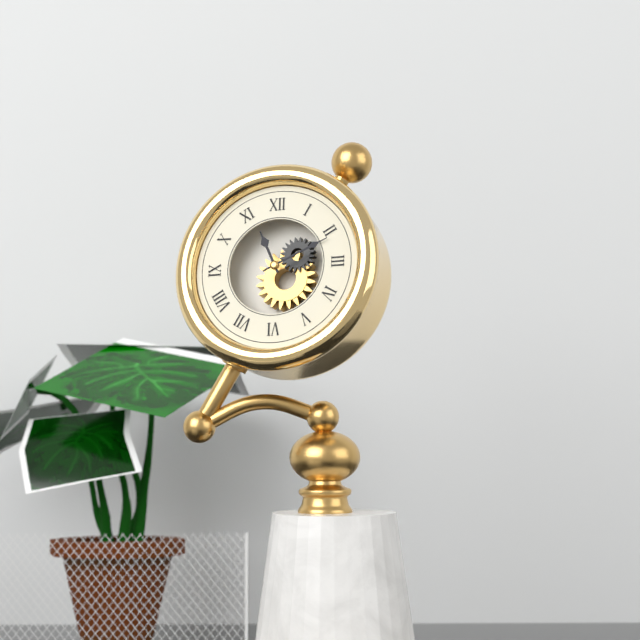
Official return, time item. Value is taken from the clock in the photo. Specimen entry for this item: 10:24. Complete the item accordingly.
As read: 11:11
